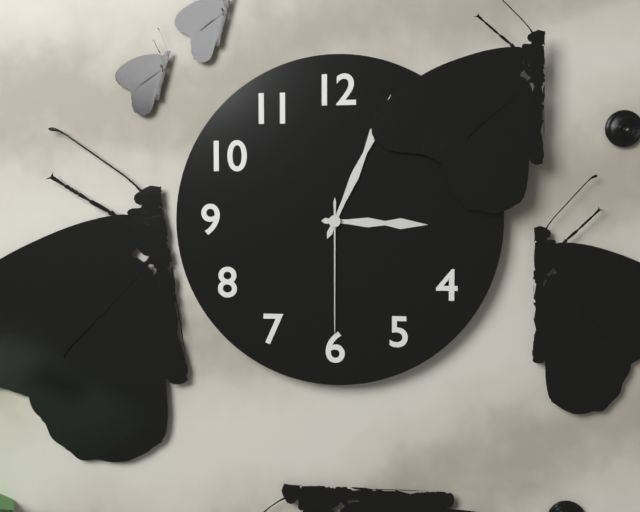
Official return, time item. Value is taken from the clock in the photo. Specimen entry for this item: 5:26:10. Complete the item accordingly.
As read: 3:04:30
